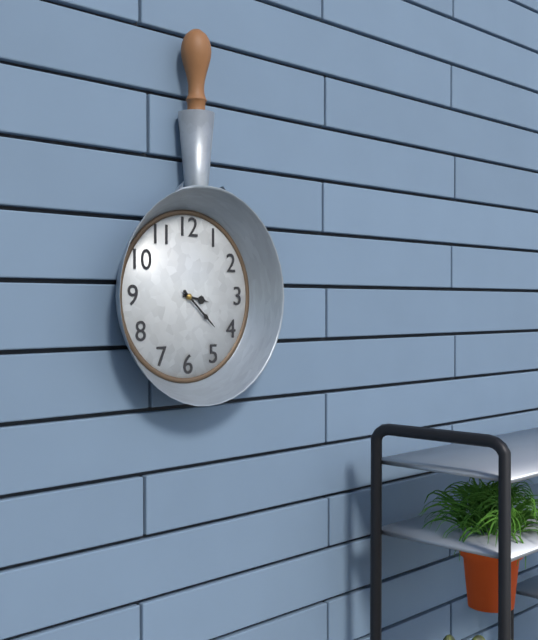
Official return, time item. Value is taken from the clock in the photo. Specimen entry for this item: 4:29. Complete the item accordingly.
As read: 3:22
